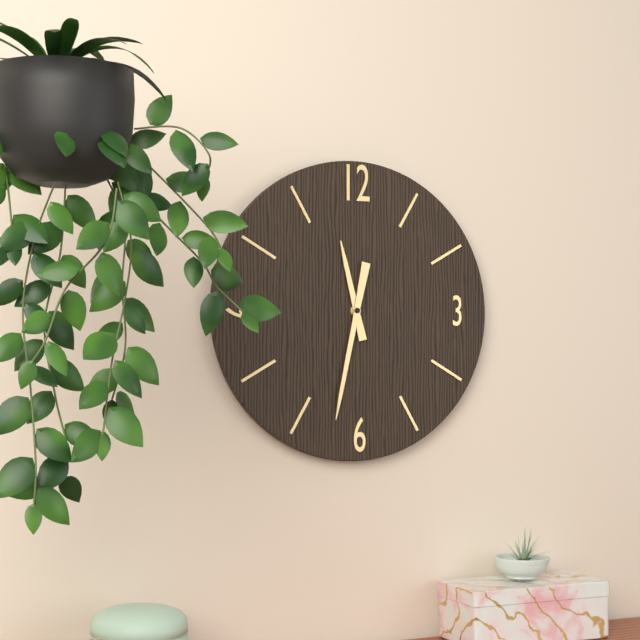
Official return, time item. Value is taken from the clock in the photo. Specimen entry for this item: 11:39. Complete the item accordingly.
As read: 11:32
